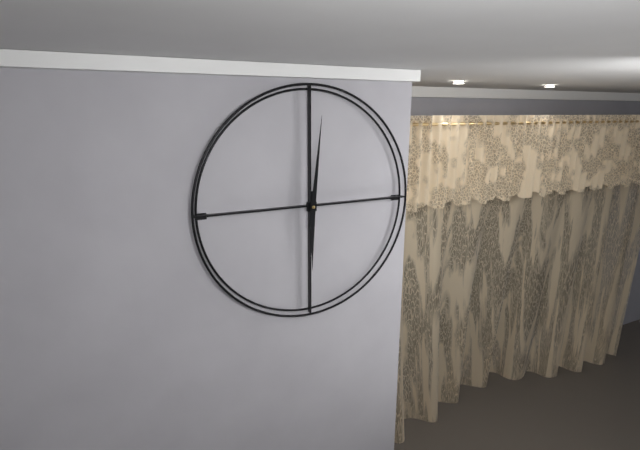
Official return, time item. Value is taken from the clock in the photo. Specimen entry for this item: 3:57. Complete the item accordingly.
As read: 6:01
